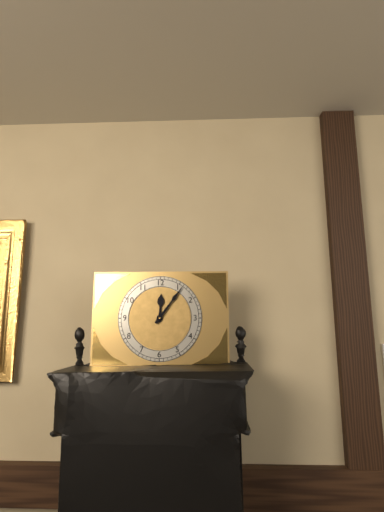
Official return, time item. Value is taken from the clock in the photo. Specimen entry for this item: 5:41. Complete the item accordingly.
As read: 12:06
